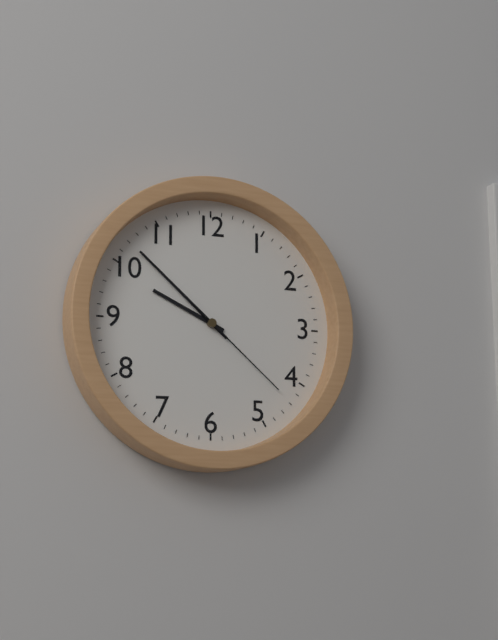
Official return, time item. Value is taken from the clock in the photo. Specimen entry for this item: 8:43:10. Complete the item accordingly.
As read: 9:52:22
